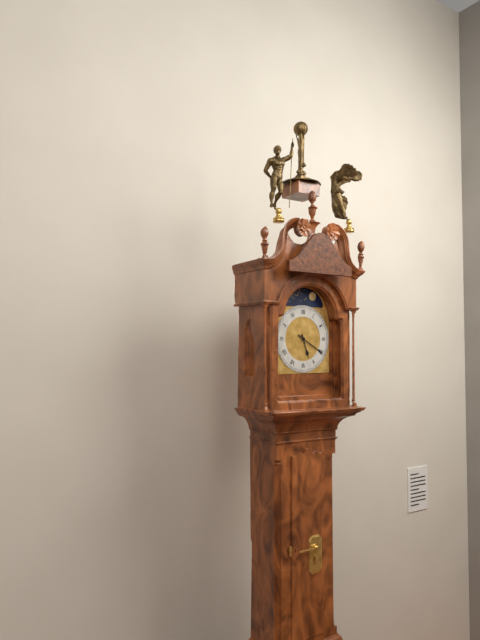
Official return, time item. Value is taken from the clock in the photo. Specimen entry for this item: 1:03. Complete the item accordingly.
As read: 5:20
